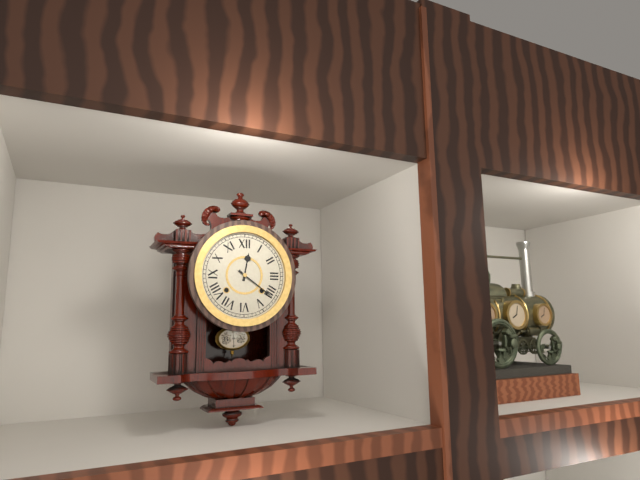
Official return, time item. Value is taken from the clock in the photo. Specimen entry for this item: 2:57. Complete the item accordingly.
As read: 12:21
